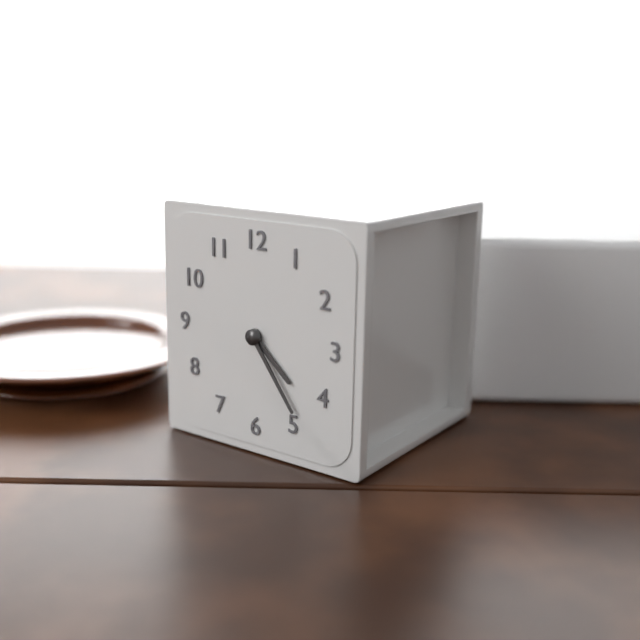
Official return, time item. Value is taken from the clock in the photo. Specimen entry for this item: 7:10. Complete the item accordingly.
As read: 4:24
